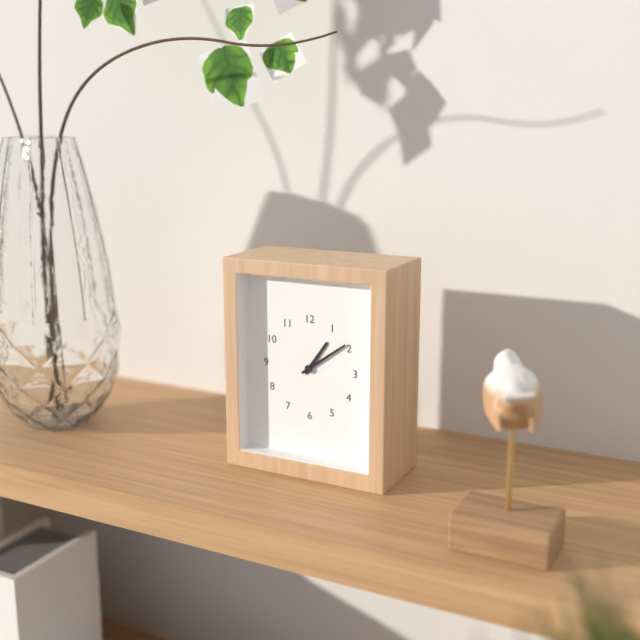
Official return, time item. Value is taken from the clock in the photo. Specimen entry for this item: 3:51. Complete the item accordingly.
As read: 1:09
